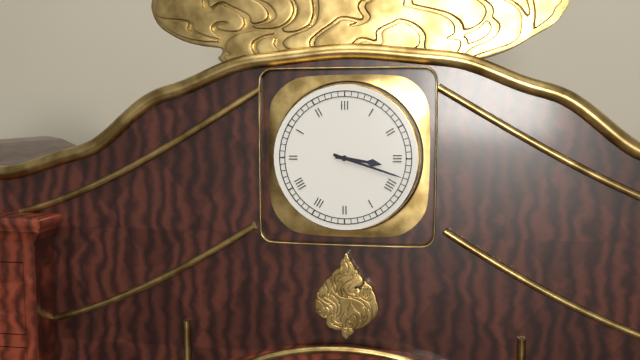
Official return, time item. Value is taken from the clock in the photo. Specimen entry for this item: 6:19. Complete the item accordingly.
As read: 3:18
